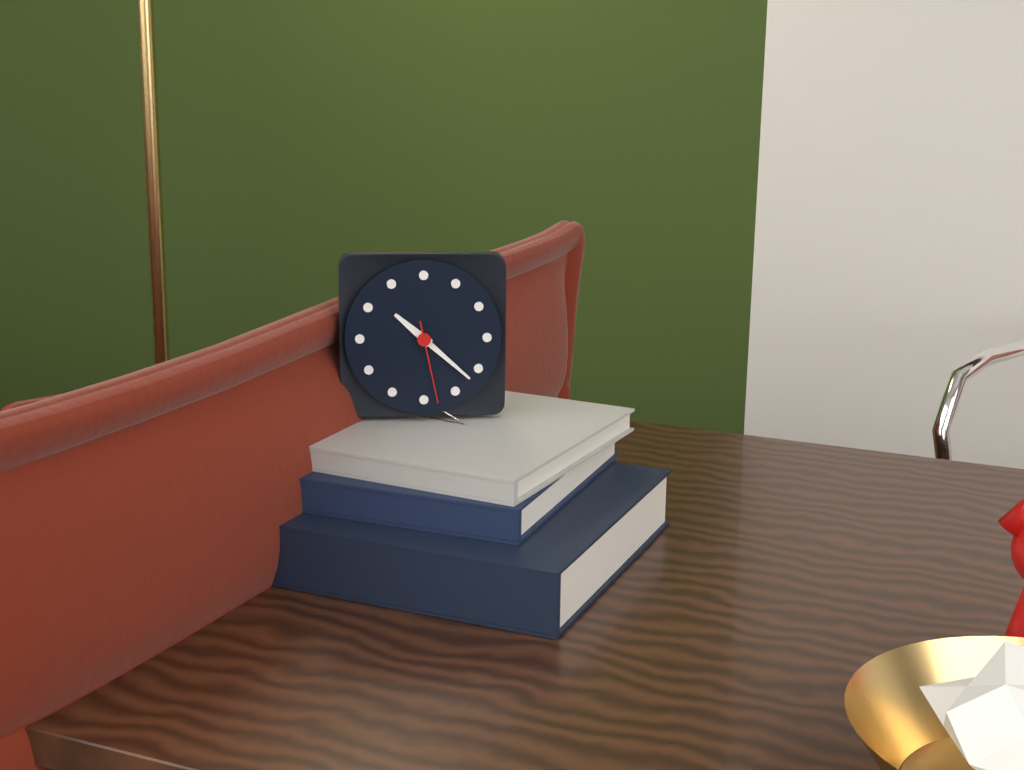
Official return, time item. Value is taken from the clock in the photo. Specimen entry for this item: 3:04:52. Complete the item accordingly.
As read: 10:22:28
